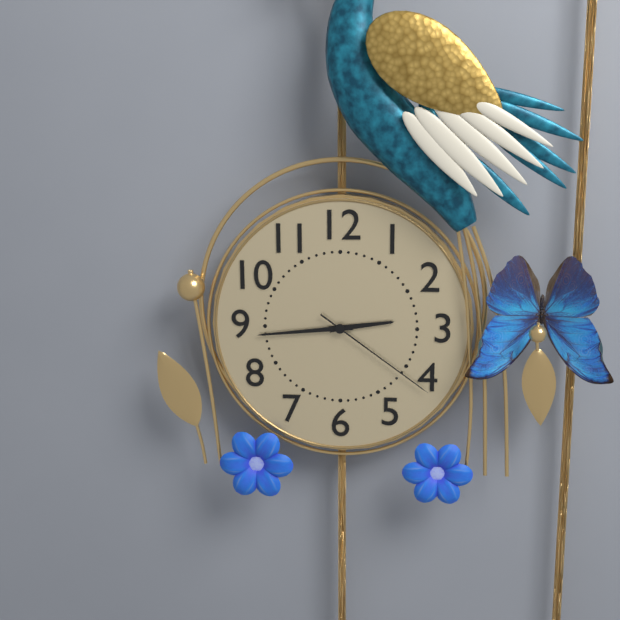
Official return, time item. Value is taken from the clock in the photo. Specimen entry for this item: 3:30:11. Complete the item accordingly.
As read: 2:44:21
